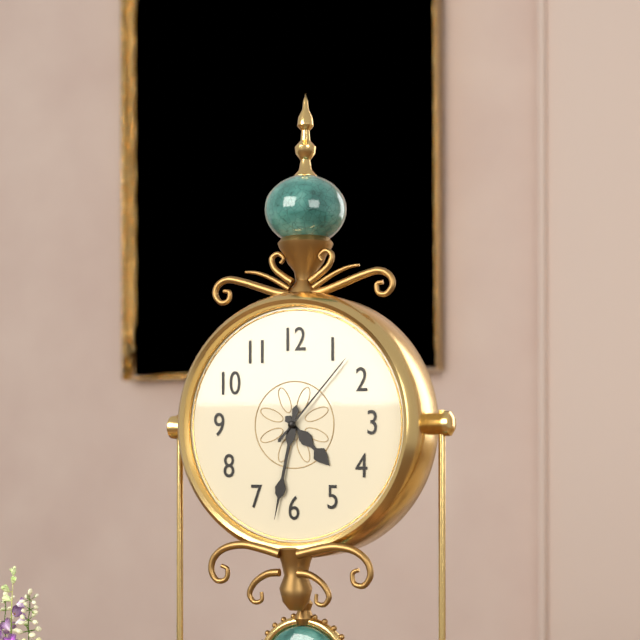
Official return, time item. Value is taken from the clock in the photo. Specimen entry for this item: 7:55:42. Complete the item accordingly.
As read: 4:32:07
